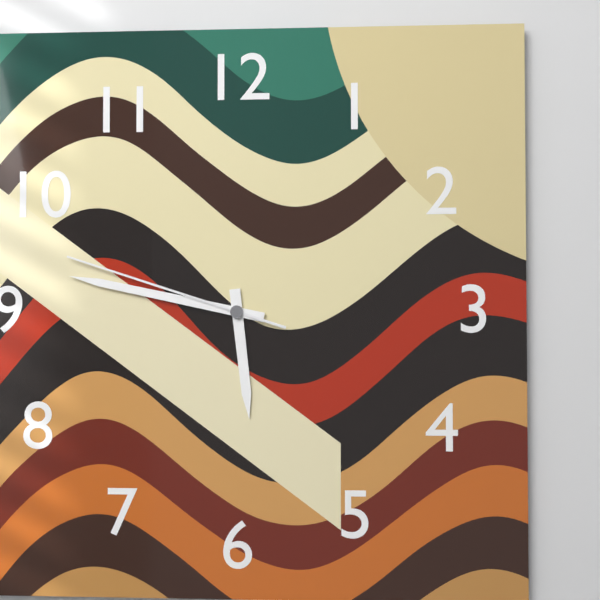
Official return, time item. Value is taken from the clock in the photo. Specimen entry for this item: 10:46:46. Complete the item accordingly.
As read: 5:47:48
